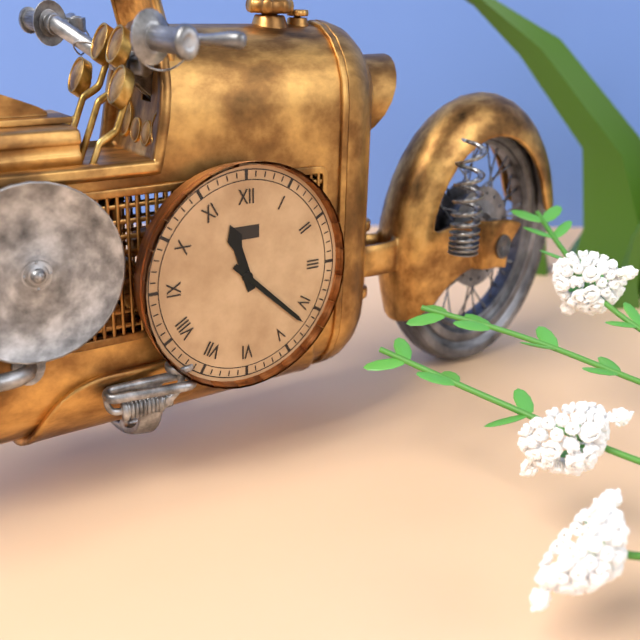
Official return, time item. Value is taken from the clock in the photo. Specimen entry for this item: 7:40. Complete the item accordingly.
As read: 11:22
